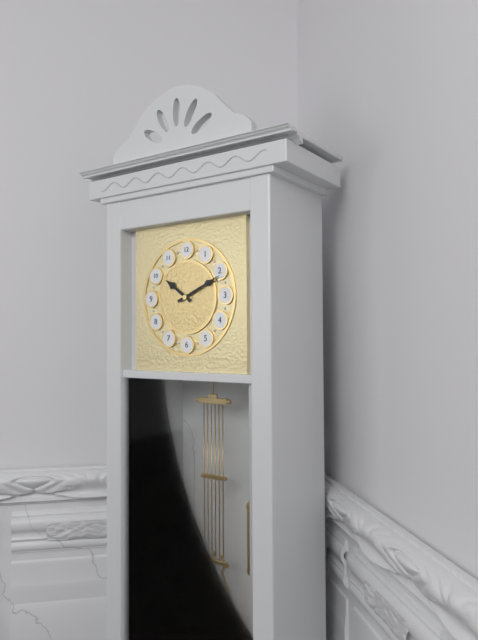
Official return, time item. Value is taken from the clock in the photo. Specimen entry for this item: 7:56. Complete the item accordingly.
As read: 10:11
